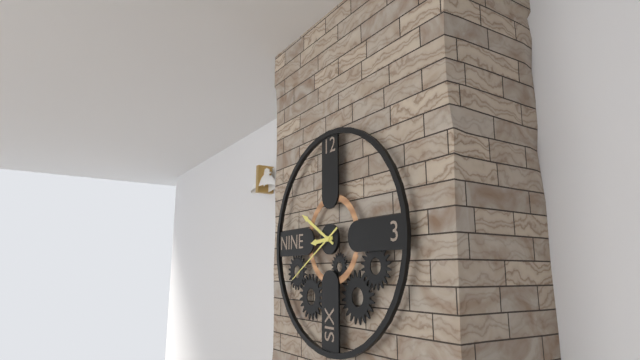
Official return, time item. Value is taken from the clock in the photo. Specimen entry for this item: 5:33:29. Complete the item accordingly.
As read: 8:50:40
